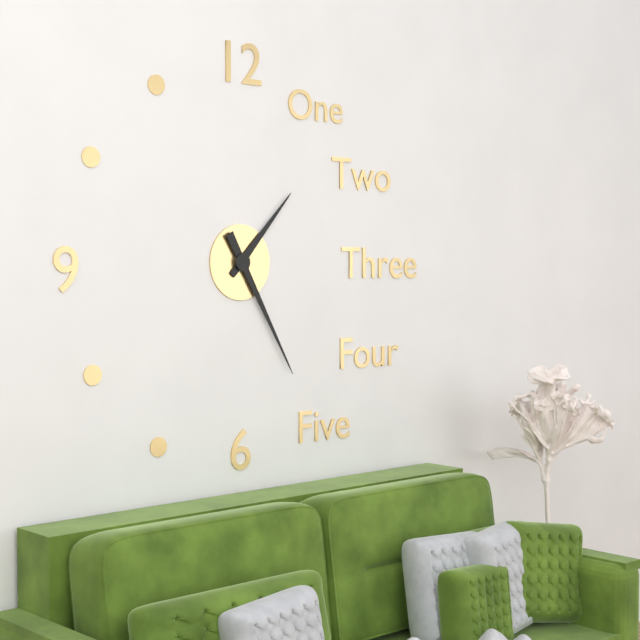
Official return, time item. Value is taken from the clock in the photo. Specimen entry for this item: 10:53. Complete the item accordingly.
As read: 1:25
